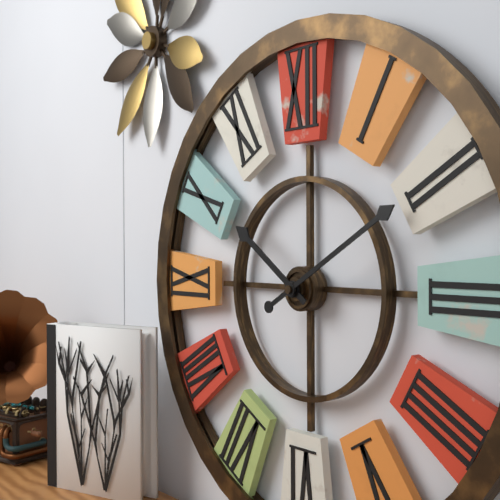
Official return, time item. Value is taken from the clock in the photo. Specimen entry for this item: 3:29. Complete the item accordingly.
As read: 10:10
